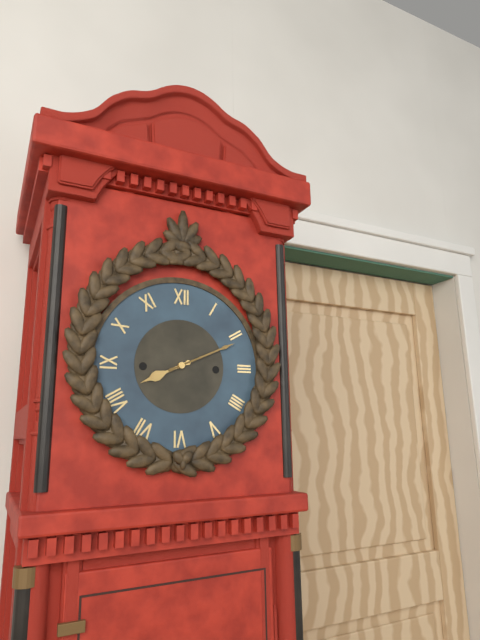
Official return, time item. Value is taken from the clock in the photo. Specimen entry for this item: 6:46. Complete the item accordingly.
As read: 8:11
